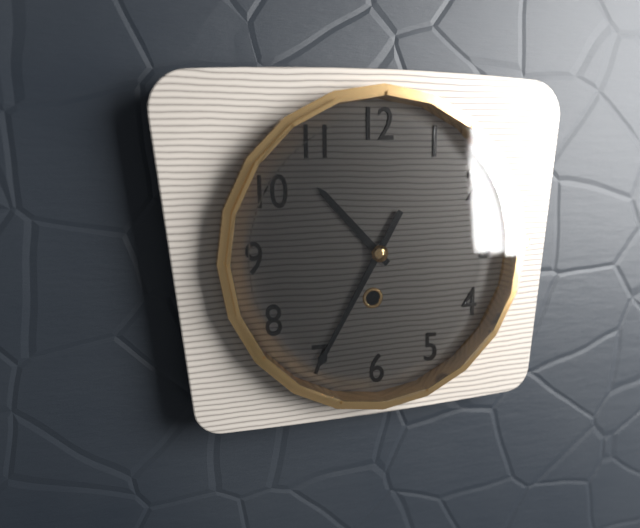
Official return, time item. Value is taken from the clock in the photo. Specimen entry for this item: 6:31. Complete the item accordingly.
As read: 10:35
